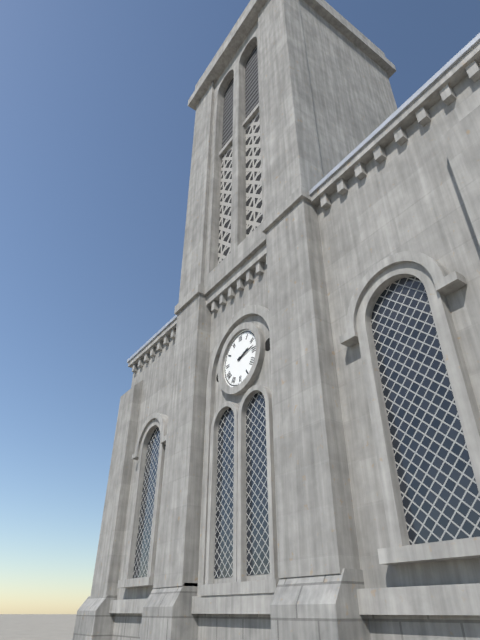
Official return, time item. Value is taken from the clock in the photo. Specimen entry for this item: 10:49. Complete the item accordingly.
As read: 2:13
